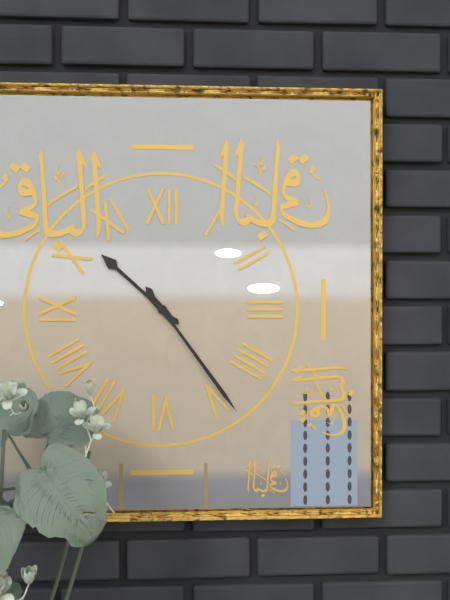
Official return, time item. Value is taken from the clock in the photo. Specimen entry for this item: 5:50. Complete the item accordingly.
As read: 10:24
